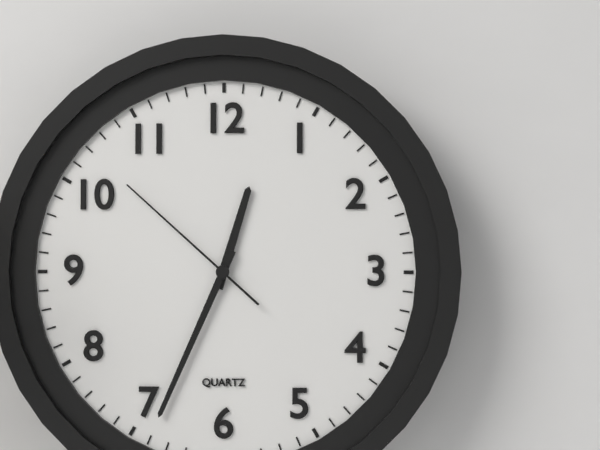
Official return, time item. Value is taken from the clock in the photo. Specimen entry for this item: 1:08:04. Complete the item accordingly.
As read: 12:34:52
